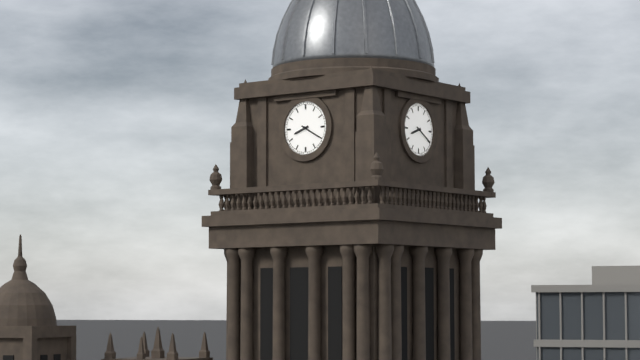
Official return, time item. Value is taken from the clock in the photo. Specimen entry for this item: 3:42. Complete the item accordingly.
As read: 8:20
